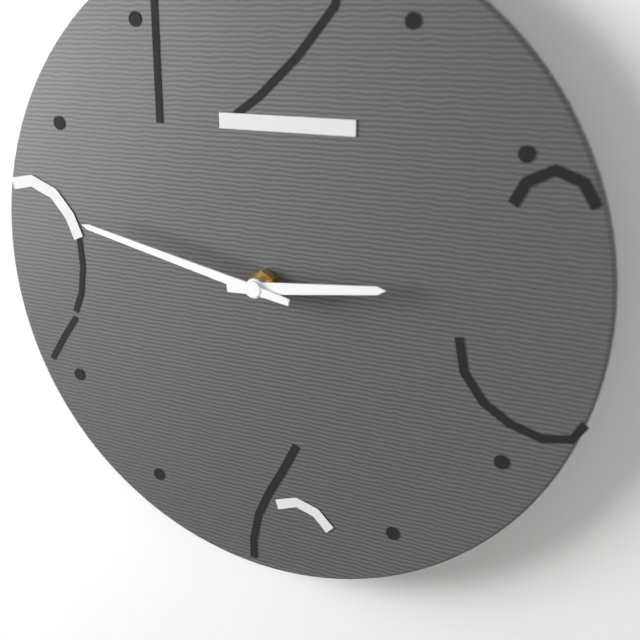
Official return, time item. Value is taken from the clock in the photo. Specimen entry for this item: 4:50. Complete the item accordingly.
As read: 2:47
